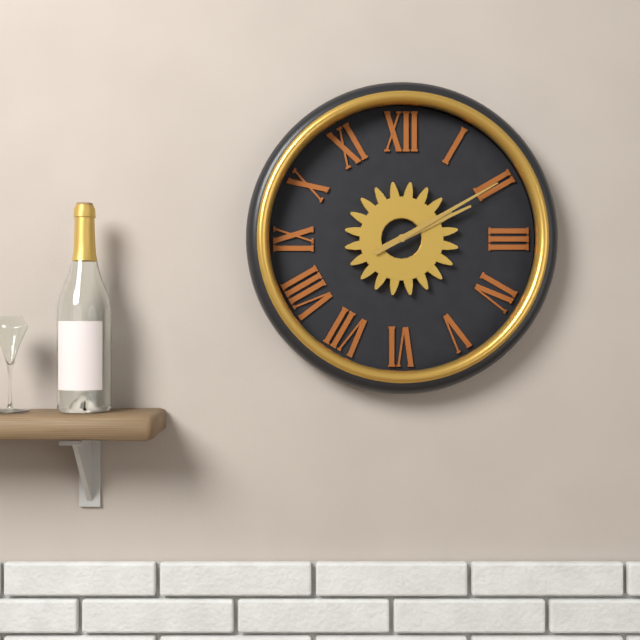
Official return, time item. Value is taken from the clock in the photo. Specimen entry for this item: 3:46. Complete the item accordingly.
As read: 2:10
